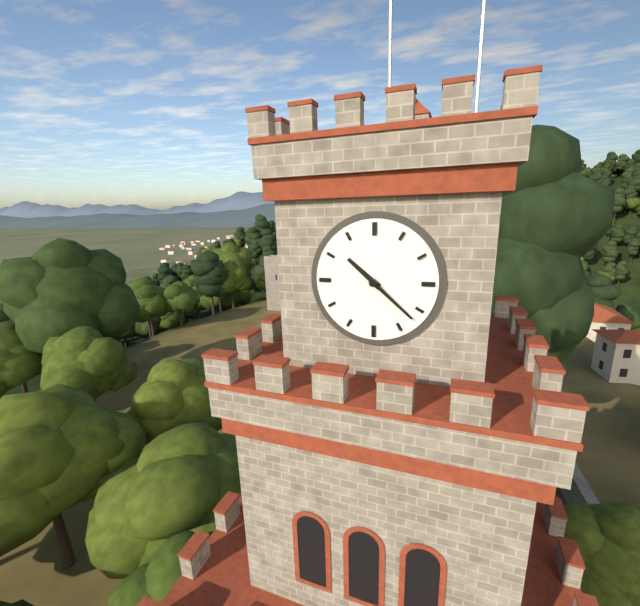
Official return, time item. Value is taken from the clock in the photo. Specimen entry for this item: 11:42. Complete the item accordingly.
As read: 10:22
